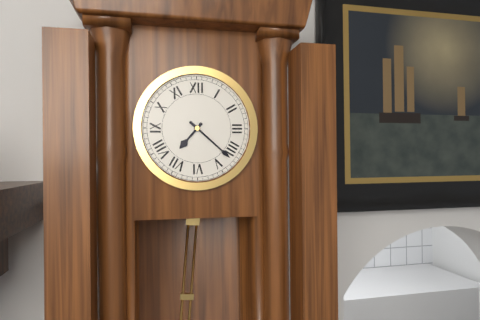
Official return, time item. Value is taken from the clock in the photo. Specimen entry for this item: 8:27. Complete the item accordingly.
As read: 7:22
